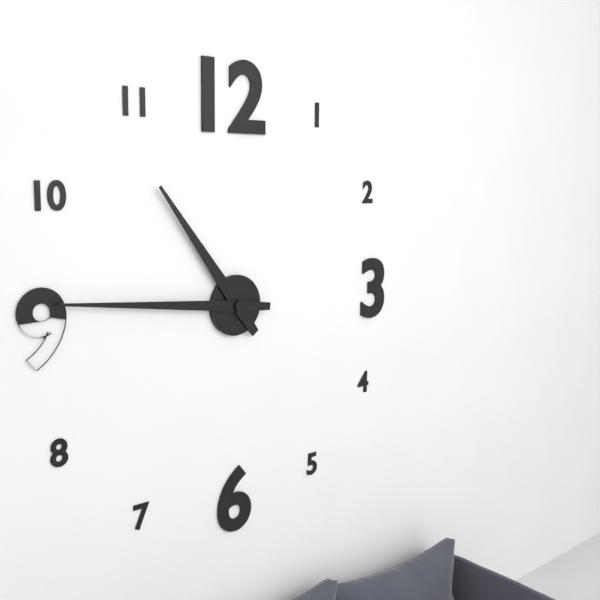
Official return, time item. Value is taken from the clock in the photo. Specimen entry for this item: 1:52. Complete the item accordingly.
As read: 10:46
